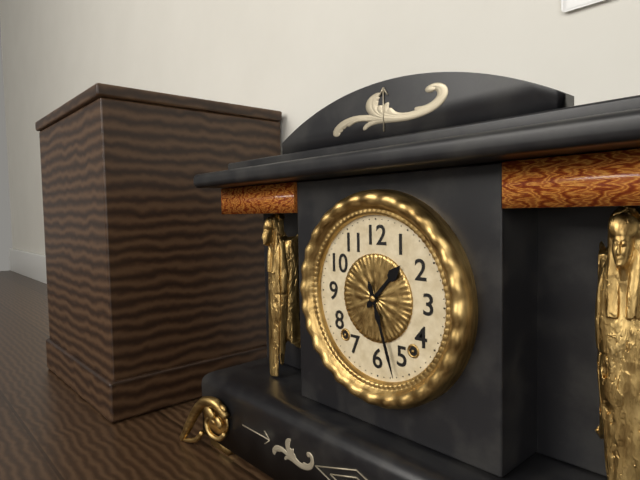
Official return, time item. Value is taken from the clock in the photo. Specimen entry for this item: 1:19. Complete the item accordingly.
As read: 1:27
